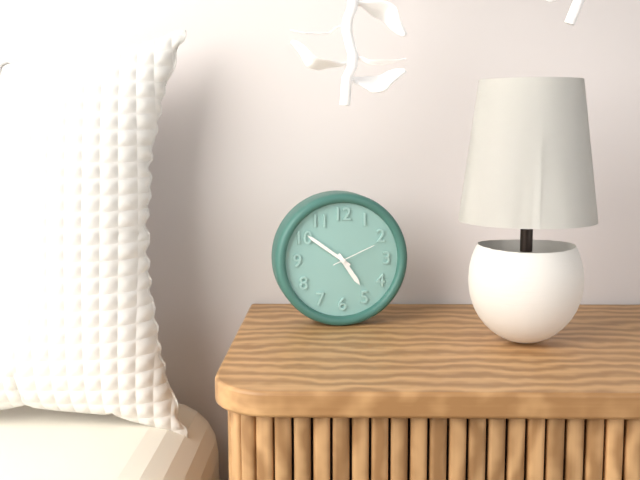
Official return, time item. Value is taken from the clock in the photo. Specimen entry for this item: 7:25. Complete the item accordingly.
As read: 4:51
